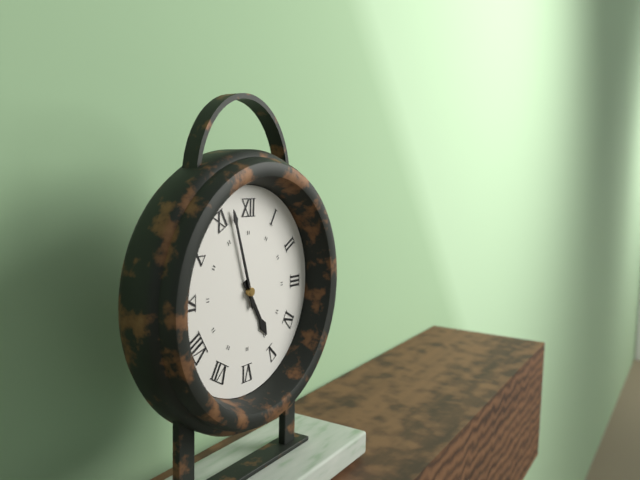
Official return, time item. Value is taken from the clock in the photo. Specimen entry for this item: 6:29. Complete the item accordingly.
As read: 4:57
